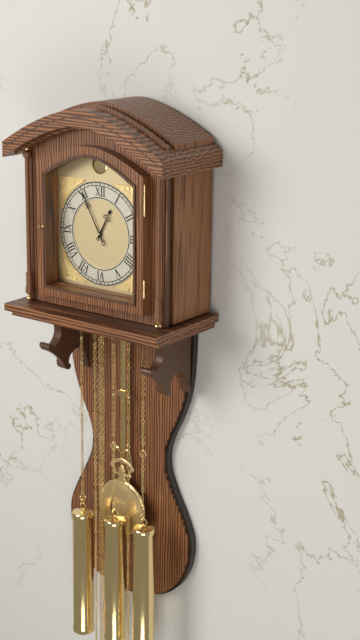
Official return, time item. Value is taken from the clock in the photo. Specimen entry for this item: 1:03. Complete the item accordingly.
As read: 12:55
